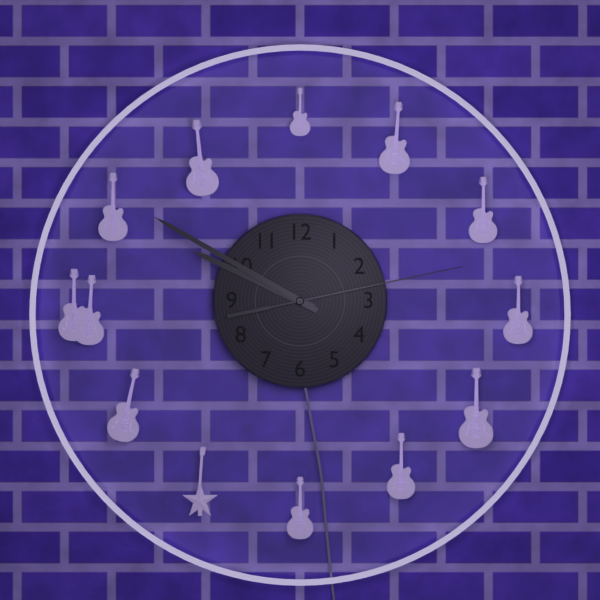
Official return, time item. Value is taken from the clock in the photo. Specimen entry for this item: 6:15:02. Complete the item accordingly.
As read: 9:50:13
